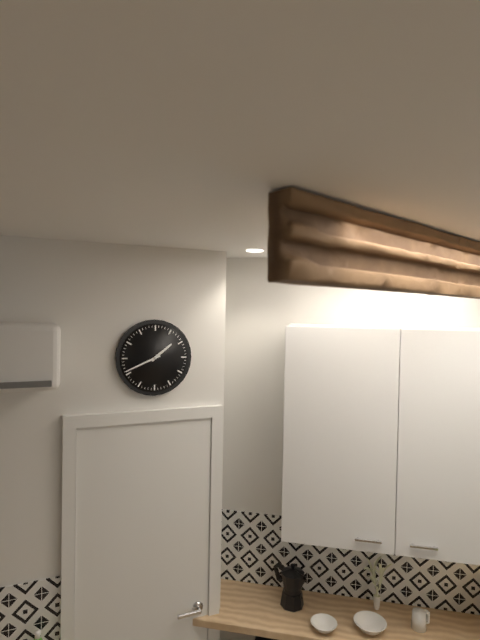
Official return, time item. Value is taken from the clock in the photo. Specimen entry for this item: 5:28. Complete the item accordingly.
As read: 1:41
